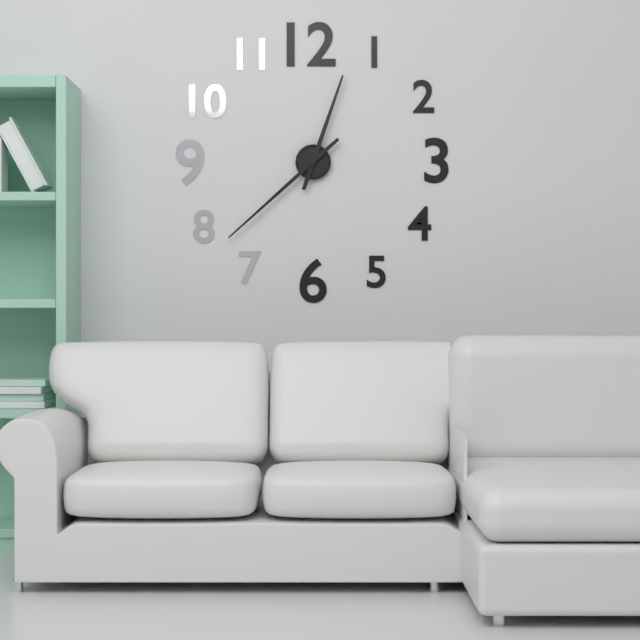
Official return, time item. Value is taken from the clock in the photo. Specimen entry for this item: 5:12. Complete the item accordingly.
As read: 12:38
